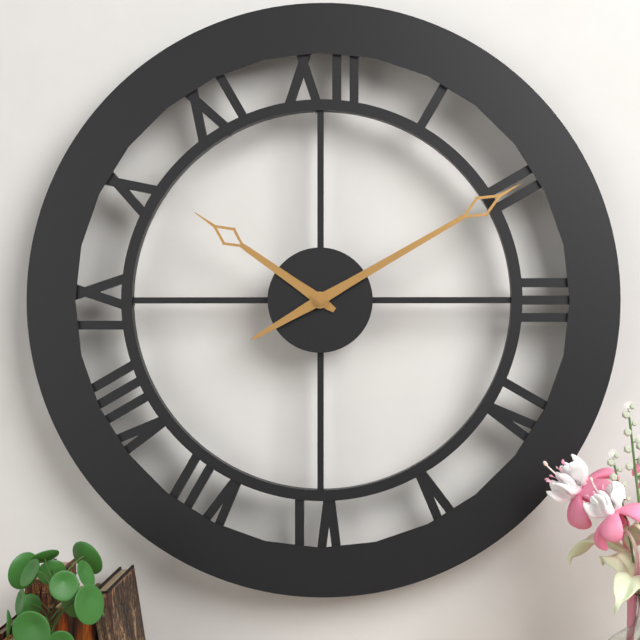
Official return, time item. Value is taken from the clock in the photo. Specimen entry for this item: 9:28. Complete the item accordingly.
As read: 10:10
